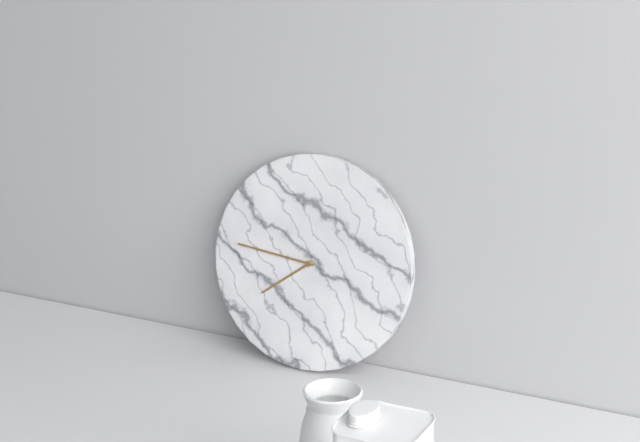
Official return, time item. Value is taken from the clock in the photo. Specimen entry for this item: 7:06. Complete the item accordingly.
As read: 7:46
